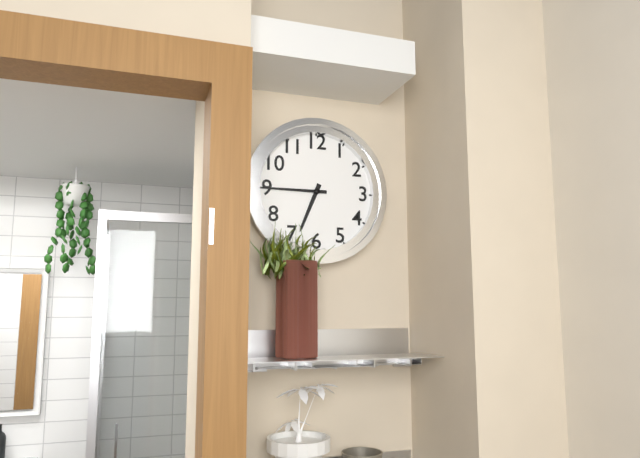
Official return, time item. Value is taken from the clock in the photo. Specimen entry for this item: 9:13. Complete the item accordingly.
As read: 6:45
